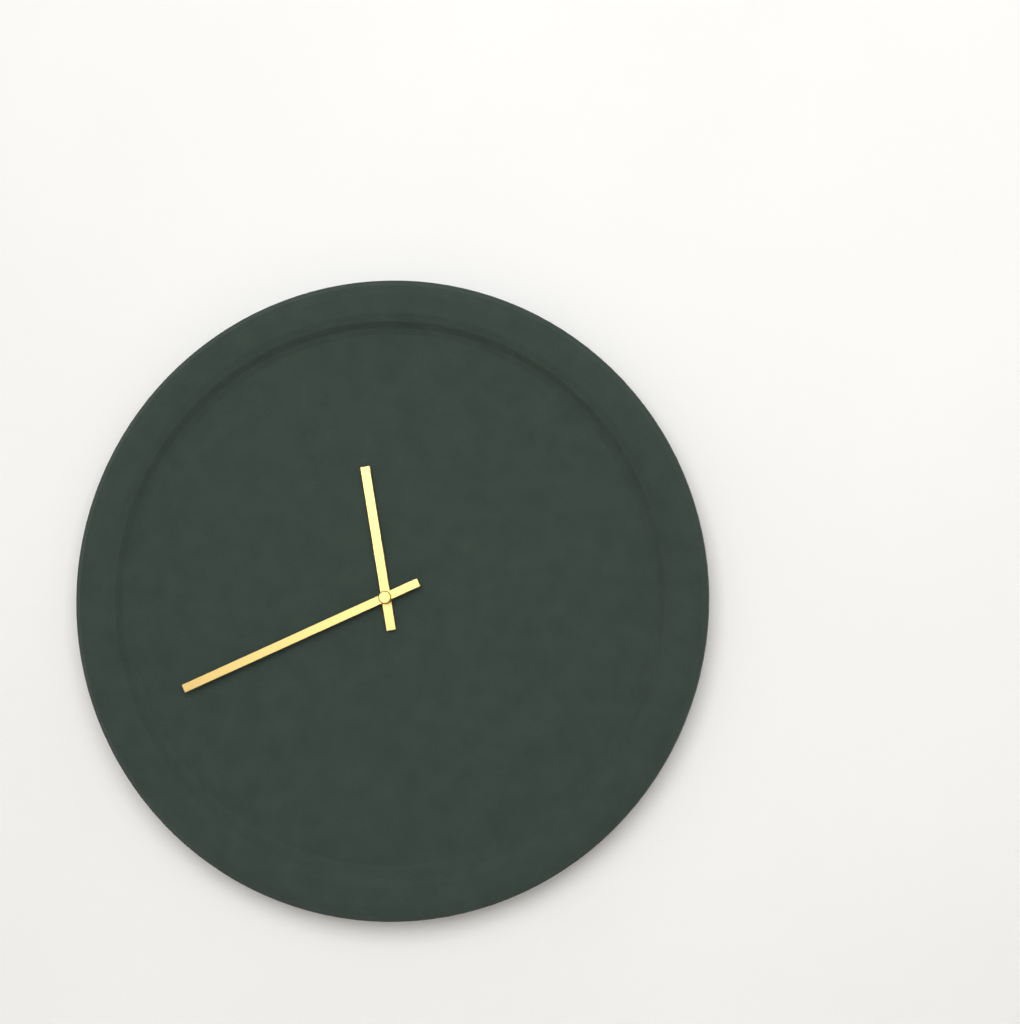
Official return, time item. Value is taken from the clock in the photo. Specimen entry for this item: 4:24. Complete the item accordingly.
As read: 11:41
